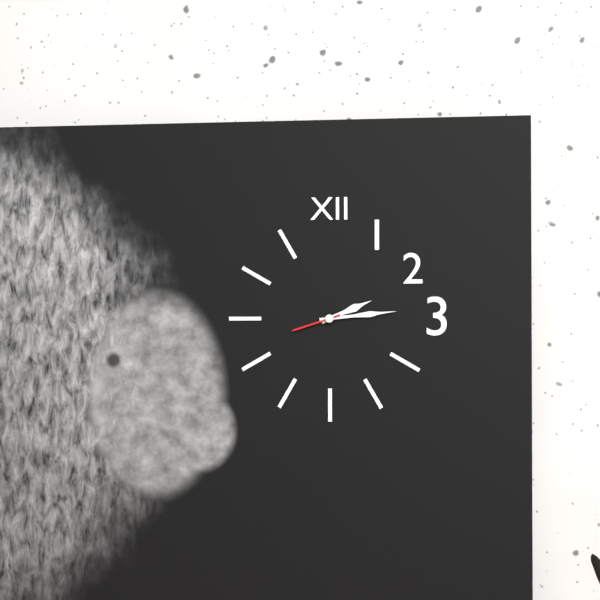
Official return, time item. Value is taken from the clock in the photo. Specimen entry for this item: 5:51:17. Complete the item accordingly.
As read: 2:14:42
